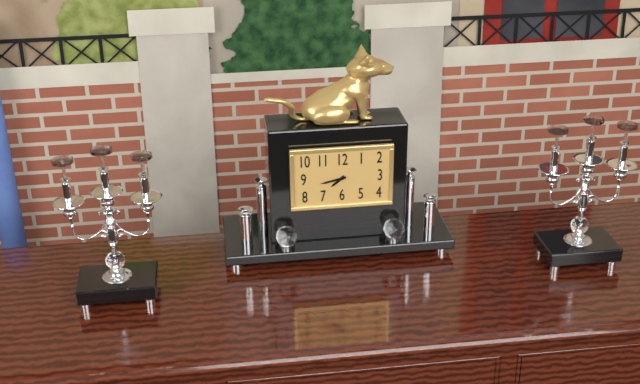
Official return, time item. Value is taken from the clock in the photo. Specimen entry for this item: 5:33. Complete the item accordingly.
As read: 7:43
